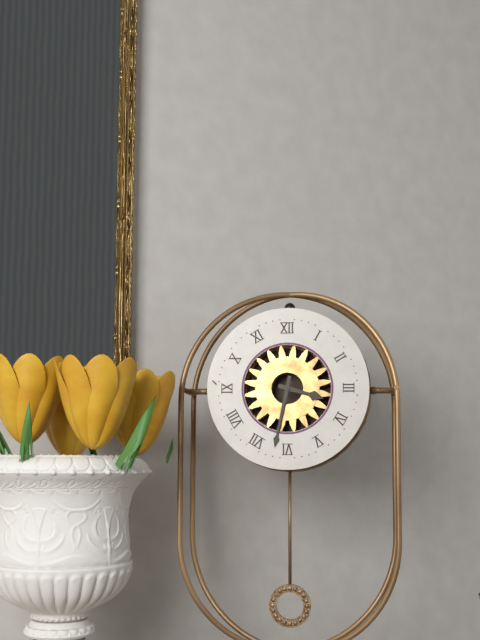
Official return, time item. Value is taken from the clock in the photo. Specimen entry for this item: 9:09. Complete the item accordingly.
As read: 3:32
